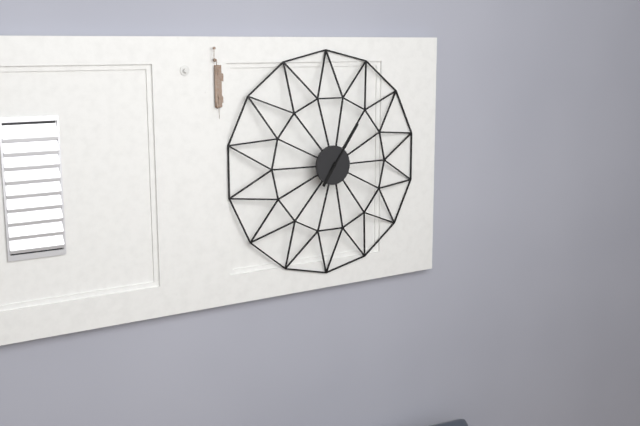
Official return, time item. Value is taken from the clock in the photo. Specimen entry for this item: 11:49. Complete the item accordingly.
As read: 7:06
